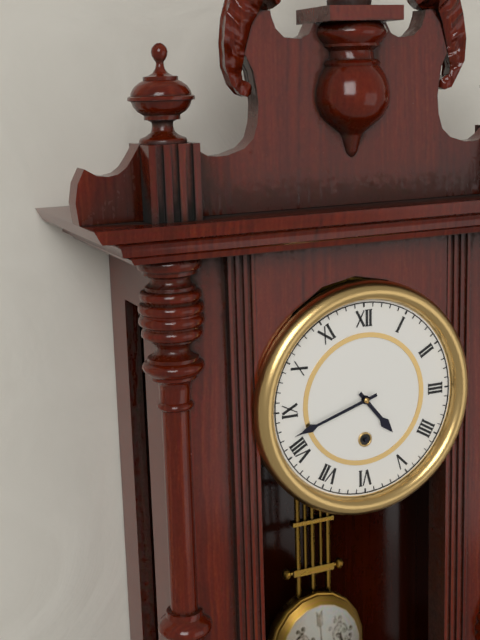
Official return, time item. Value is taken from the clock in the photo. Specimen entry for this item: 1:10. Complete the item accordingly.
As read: 4:42
